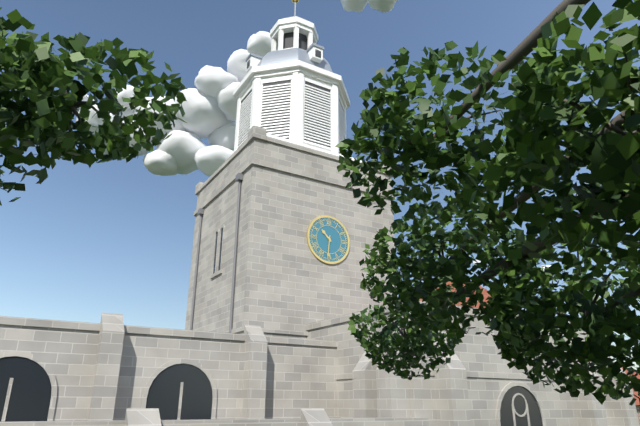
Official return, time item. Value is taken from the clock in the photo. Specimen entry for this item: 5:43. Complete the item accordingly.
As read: 10:31
